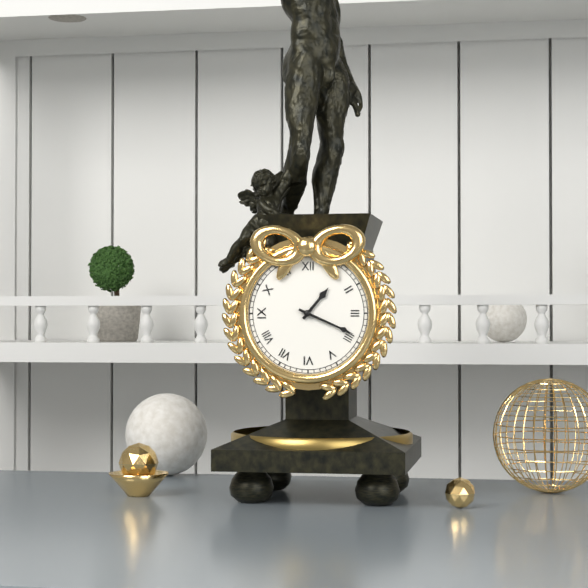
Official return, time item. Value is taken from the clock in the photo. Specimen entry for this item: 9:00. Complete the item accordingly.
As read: 1:19
